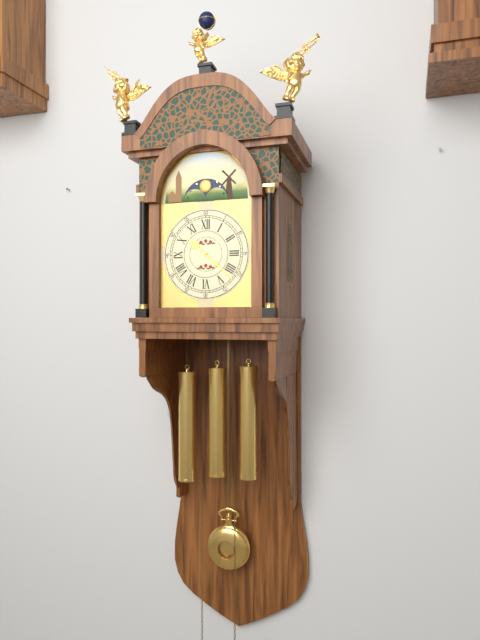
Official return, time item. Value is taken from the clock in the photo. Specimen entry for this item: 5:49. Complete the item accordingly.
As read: 10:22
